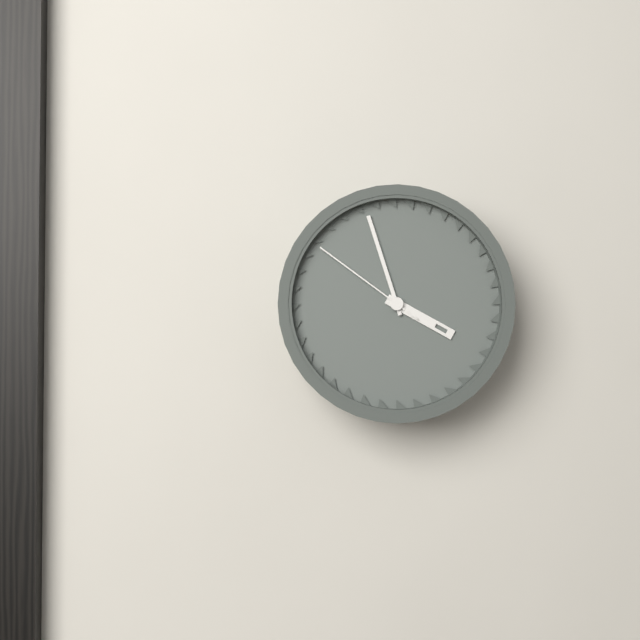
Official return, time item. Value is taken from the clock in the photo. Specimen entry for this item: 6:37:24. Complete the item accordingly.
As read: 3:57:51
